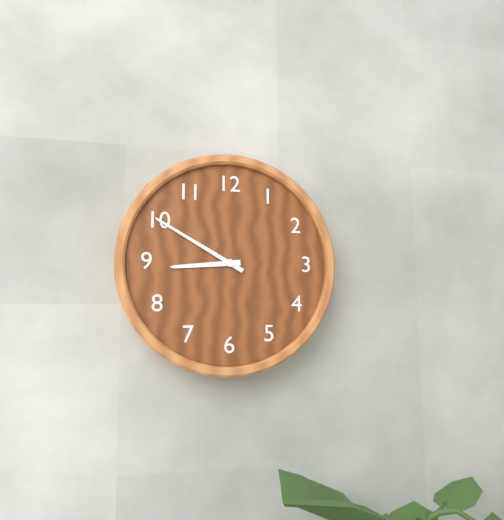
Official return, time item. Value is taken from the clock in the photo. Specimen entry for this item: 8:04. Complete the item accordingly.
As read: 8:50
